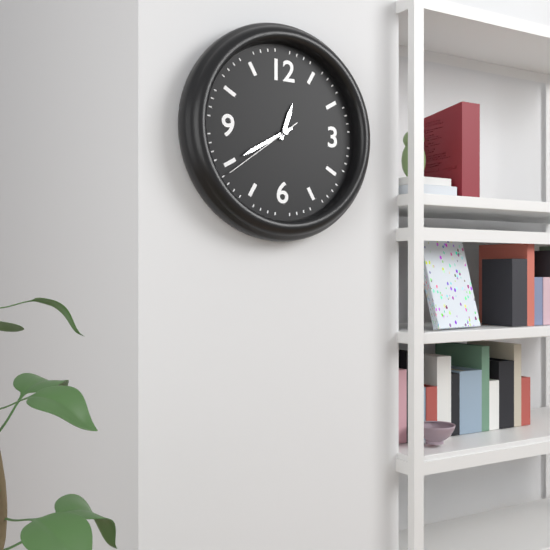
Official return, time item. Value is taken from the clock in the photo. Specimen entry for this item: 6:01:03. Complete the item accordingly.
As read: 12:40:39
